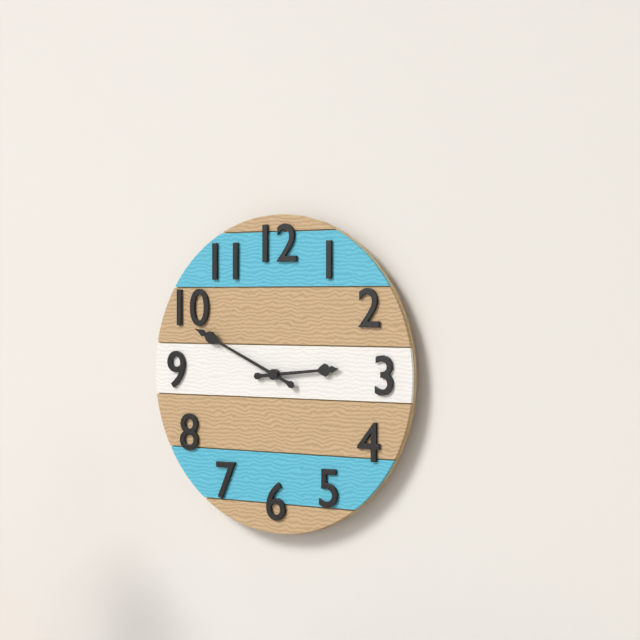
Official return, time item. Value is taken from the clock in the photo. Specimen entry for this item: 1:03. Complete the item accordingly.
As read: 2:49
